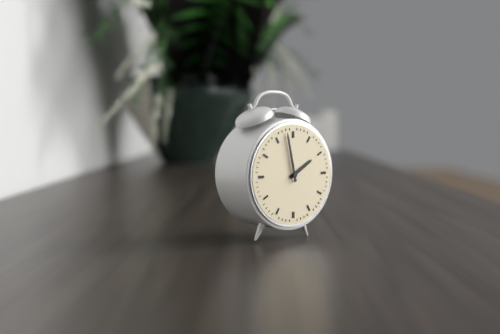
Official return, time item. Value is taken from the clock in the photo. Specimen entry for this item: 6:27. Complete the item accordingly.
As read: 1:58
